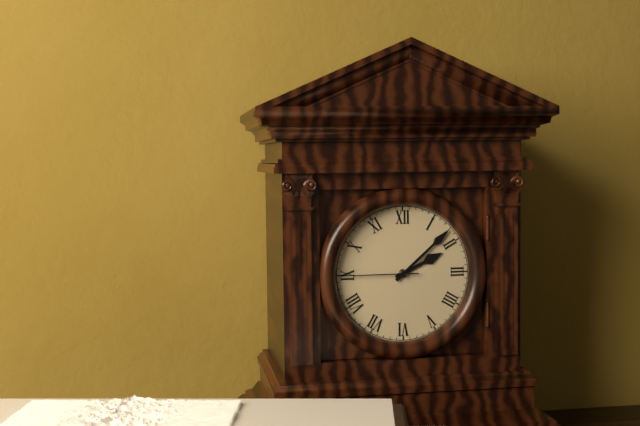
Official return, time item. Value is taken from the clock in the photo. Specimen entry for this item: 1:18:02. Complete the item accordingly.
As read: 2:08:45
